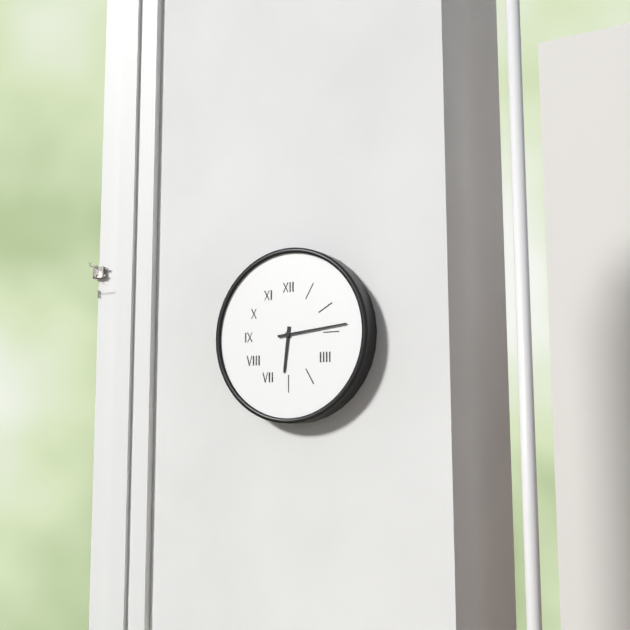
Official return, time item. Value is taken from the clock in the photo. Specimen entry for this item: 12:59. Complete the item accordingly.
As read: 6:14
